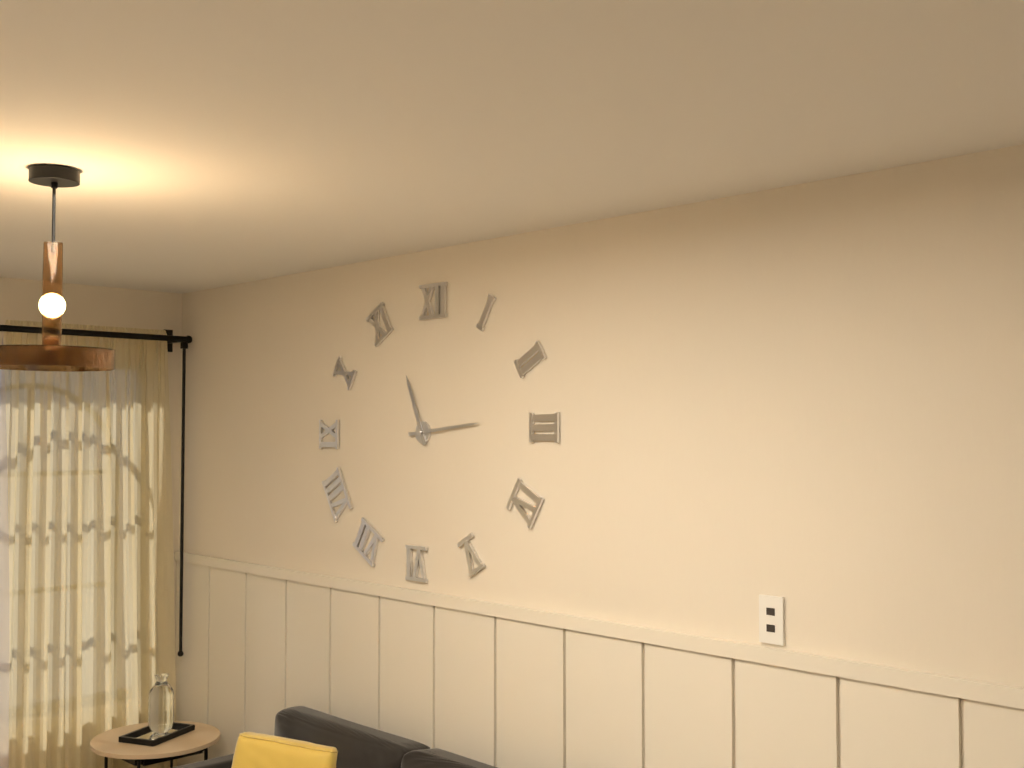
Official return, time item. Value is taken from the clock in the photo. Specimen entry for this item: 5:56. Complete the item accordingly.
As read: 11:14
